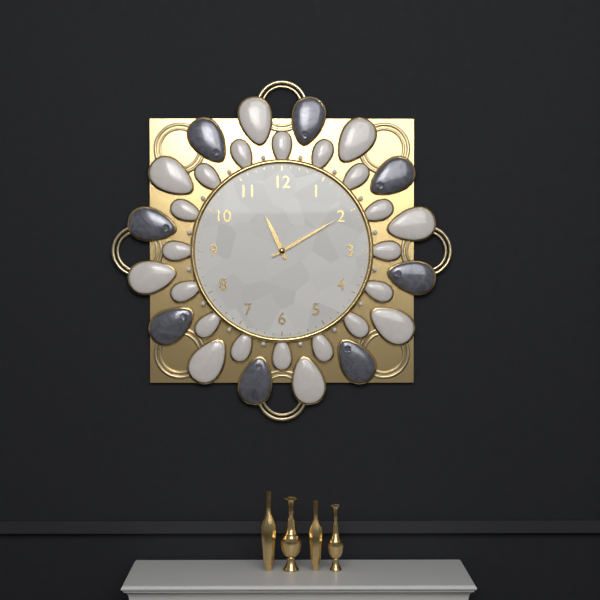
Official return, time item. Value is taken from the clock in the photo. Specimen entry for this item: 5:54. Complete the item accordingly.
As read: 11:10
